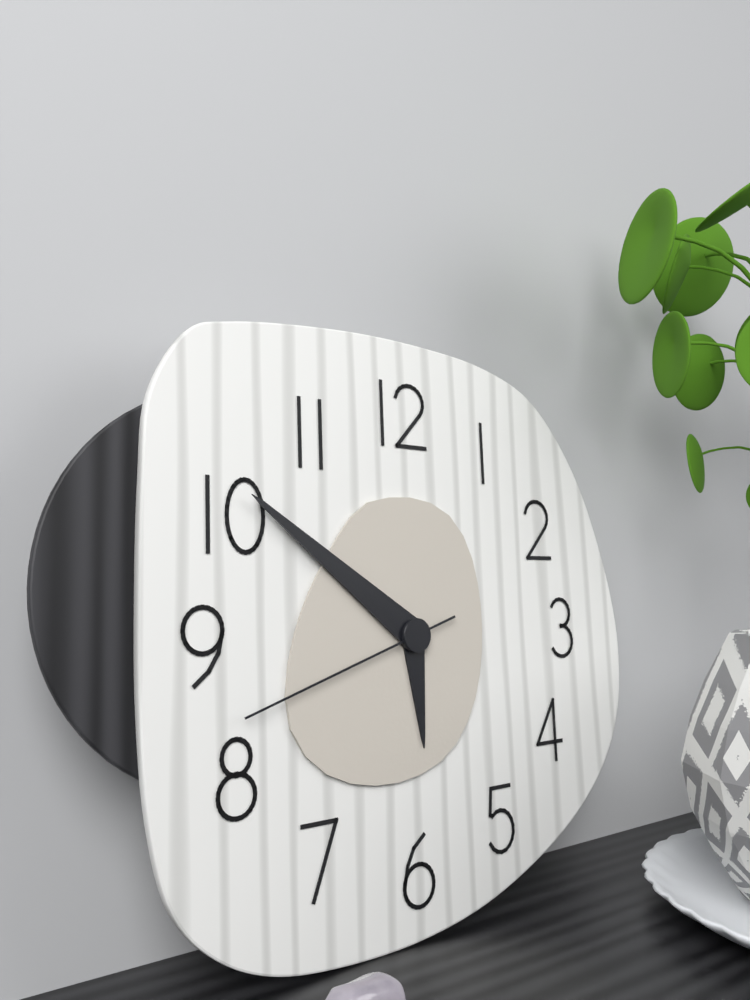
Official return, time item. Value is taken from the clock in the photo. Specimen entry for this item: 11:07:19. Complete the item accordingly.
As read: 5:51:42
